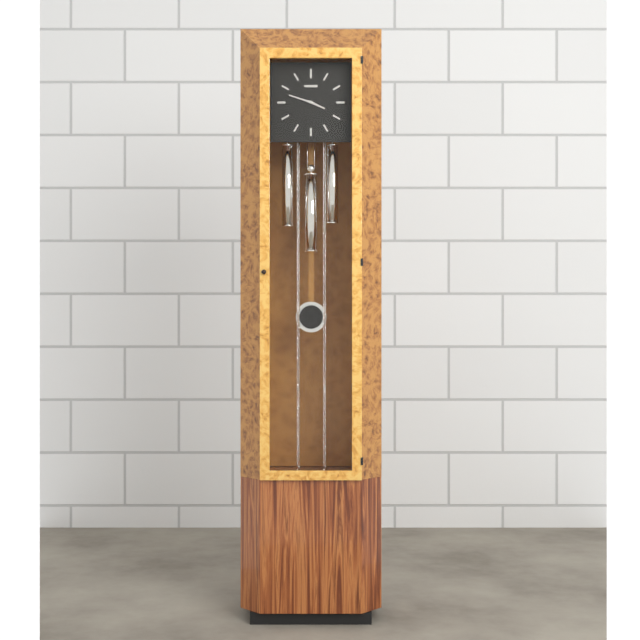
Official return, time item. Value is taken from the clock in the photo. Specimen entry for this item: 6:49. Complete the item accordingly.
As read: 3:48
